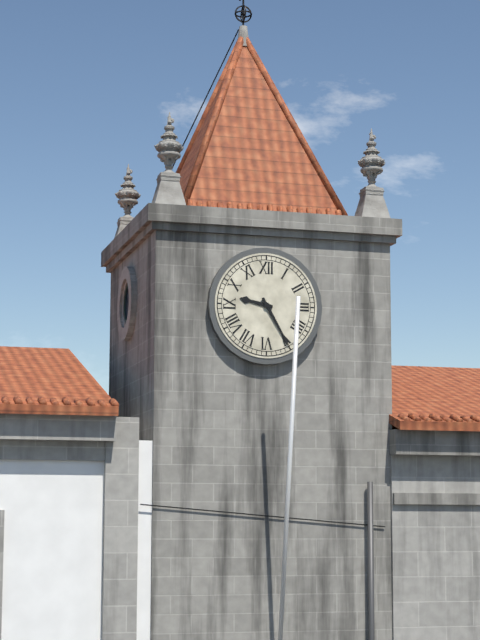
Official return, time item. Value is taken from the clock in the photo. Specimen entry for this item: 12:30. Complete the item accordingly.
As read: 9:25
